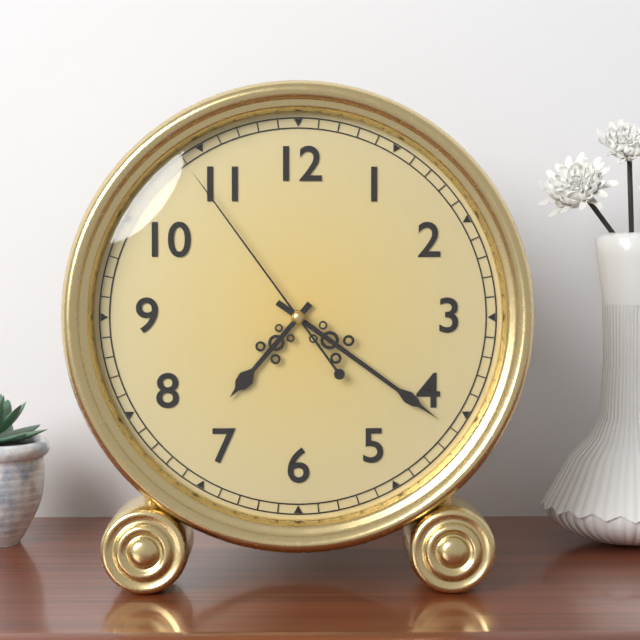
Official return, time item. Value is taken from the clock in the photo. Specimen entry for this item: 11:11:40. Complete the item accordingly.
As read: 7:21:54
